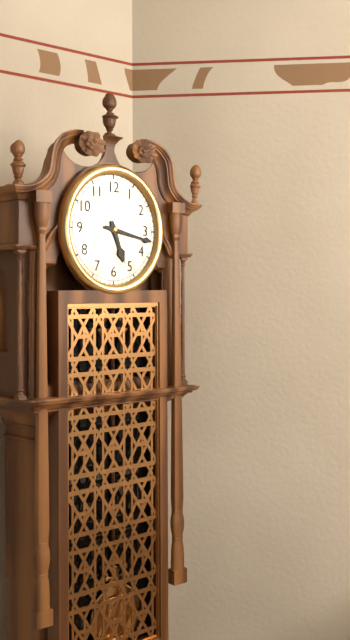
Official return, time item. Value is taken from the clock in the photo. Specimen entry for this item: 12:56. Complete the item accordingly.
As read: 5:17
